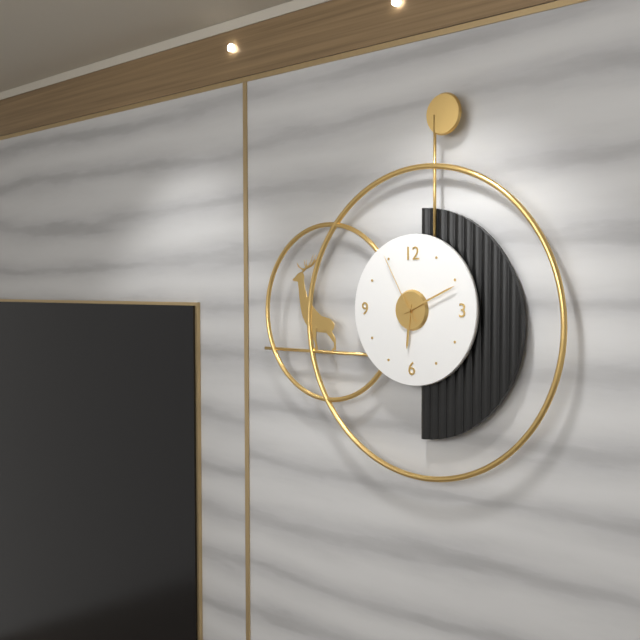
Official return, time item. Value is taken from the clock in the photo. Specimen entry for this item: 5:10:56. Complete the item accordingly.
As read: 6:11:55
